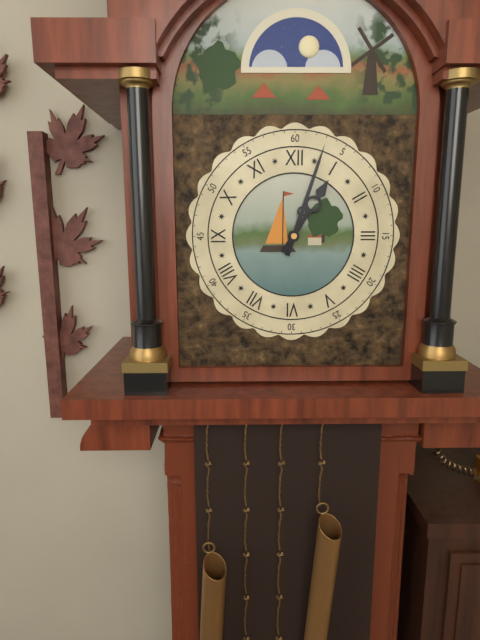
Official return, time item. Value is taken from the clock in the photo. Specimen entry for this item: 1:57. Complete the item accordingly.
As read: 1:03
